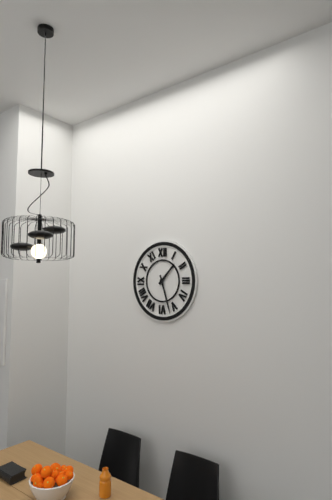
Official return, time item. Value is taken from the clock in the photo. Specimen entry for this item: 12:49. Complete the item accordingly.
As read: 1:27
